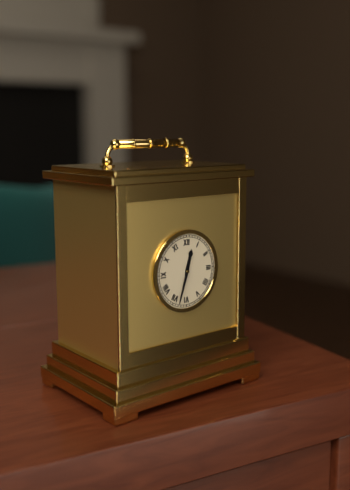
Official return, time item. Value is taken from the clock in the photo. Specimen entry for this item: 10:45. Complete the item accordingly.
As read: 12:33
